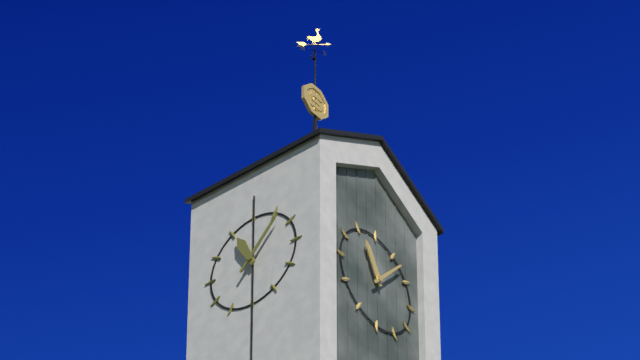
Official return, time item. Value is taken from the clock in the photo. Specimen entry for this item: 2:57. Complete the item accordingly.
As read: 11:07
